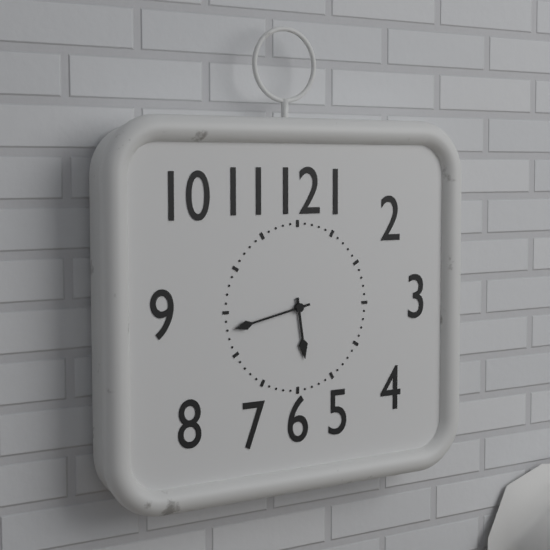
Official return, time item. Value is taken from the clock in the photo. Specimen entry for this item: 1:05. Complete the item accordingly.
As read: 5:43
